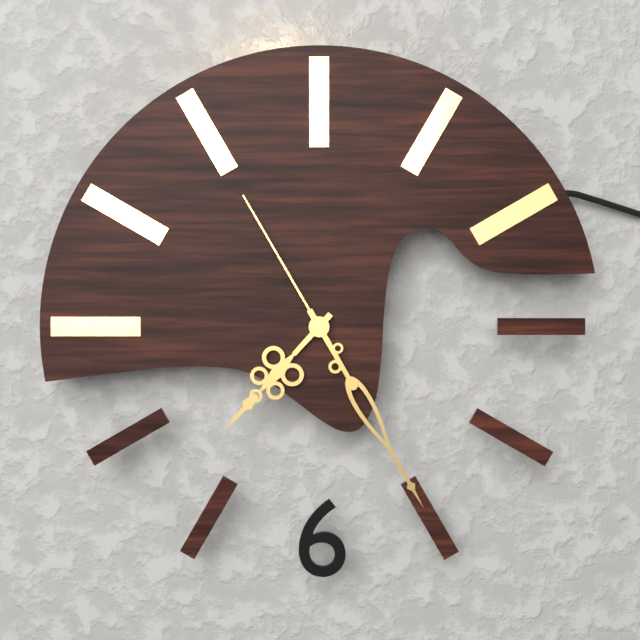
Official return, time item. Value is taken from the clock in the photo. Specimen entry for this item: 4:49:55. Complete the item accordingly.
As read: 7:25:55
